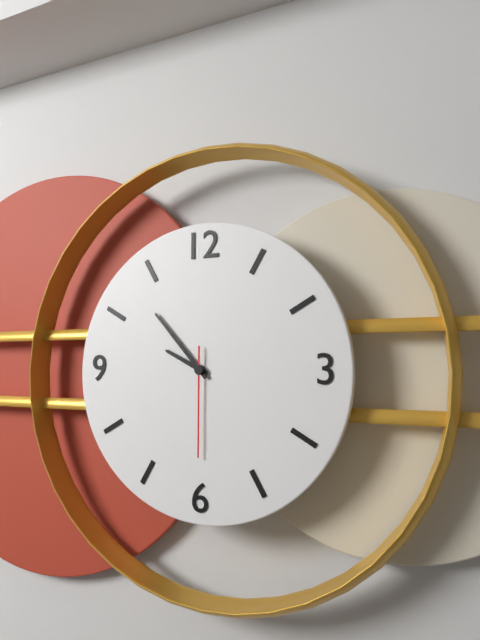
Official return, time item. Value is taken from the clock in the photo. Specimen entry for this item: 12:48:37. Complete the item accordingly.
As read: 9:53:30
